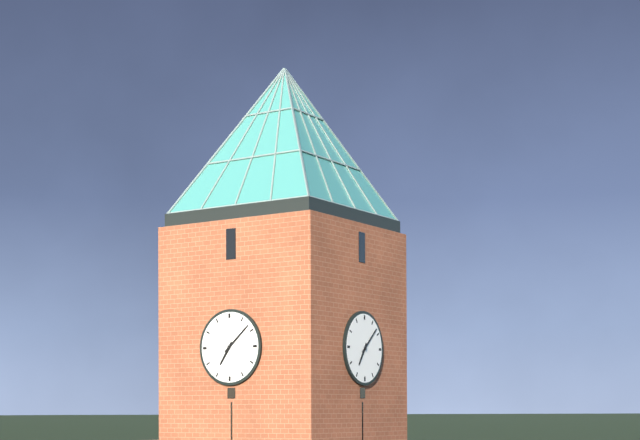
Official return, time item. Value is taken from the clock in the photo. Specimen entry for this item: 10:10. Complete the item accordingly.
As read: 7:08
